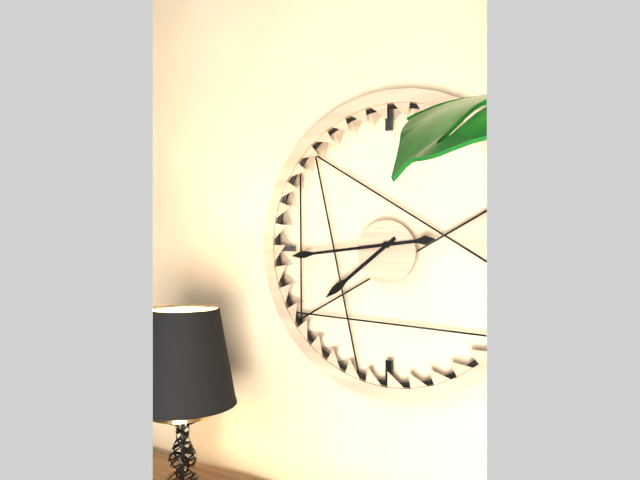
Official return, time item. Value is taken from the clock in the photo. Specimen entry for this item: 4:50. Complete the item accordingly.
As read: 7:44
